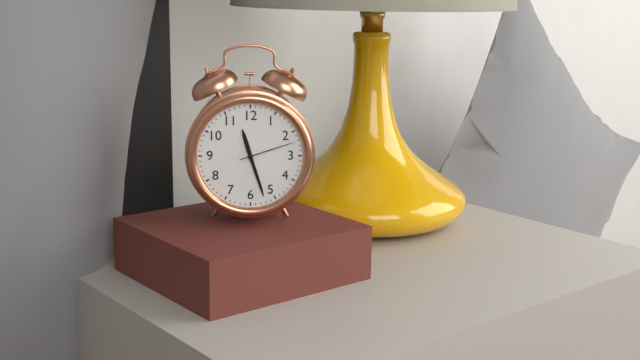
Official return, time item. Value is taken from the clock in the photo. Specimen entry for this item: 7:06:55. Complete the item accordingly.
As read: 11:27:12
